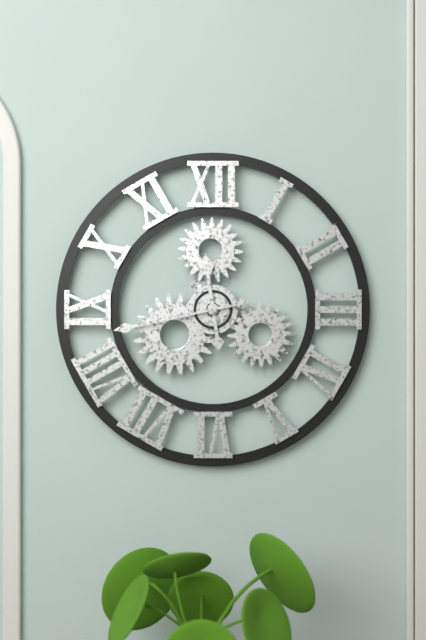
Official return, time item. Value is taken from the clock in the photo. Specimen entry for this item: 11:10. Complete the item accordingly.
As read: 11:43
